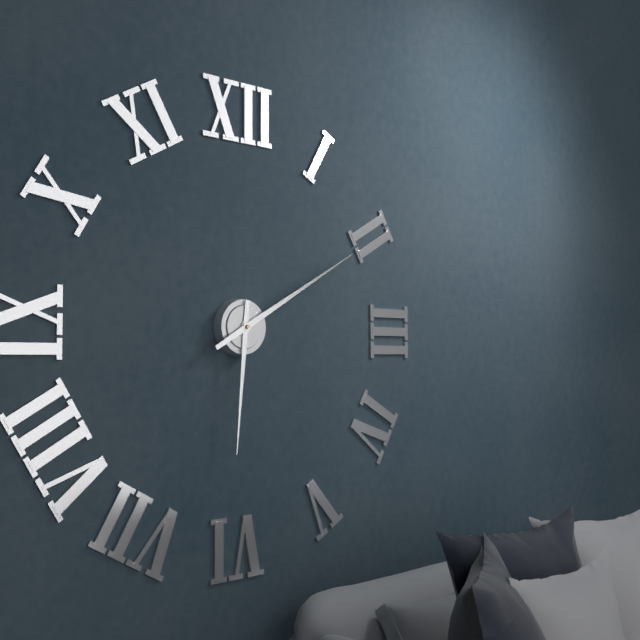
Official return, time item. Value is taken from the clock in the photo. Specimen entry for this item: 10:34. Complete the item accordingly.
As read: 6:10
